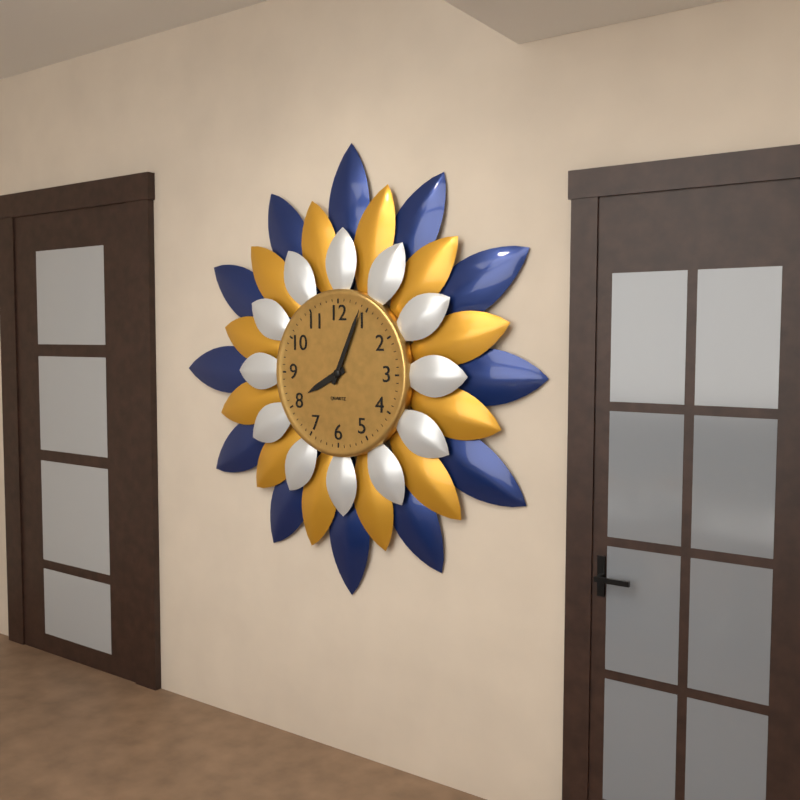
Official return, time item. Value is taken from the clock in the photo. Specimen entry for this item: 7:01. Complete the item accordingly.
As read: 8:04
